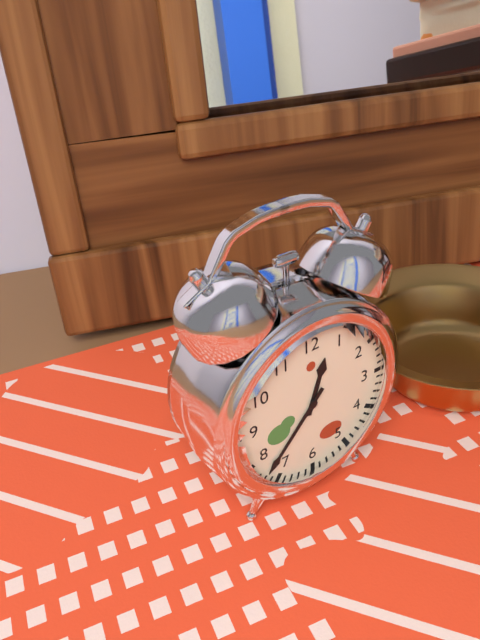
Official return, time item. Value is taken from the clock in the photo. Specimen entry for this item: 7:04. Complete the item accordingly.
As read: 12:37
